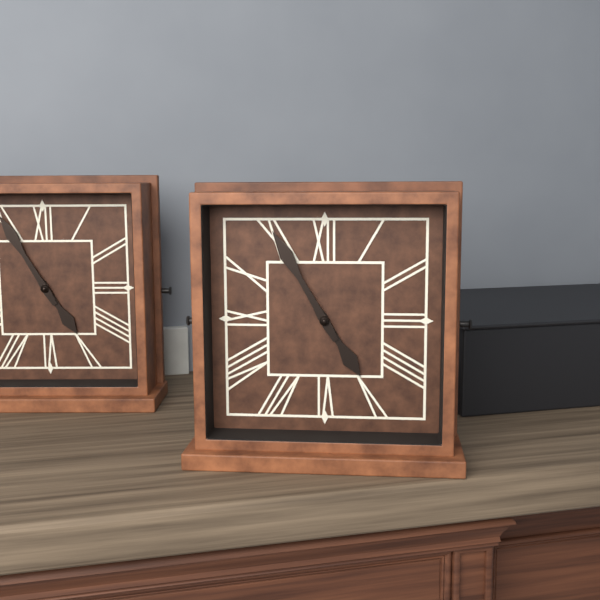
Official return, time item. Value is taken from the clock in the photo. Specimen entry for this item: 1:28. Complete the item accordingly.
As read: 4:55
